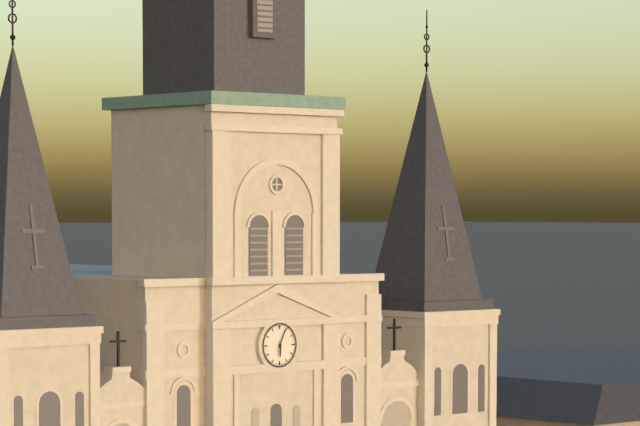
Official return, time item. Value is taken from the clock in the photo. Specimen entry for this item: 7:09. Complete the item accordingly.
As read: 6:04
